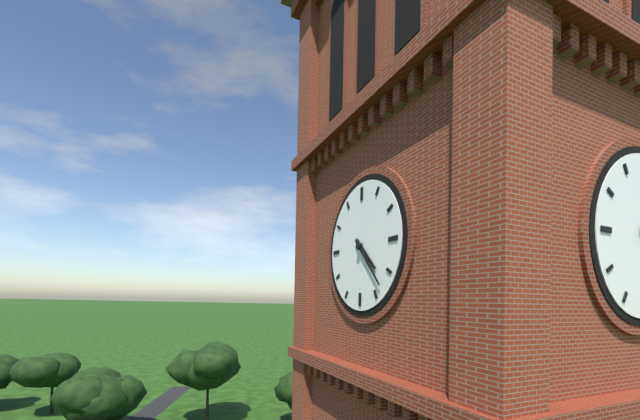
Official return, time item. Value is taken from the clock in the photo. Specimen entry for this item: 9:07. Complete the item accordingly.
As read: 4:23
